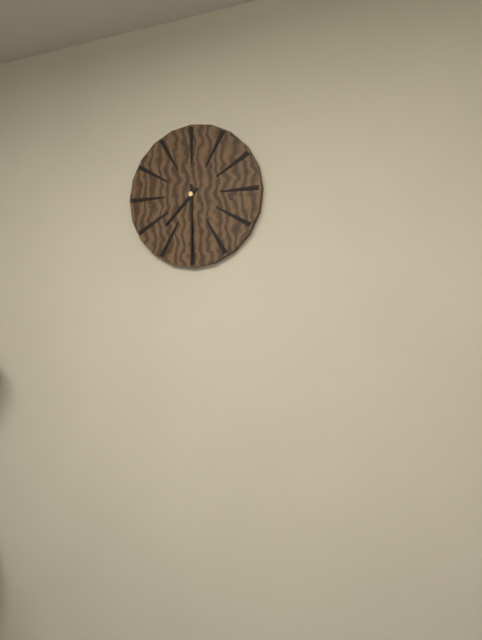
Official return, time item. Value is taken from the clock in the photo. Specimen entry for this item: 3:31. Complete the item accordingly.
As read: 7:30
